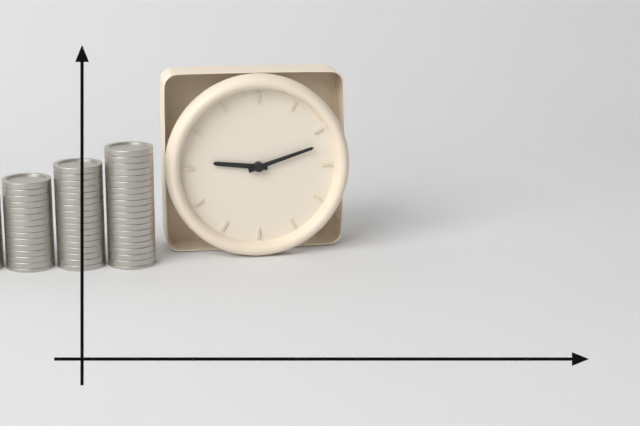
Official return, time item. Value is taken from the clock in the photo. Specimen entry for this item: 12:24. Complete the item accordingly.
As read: 9:12
